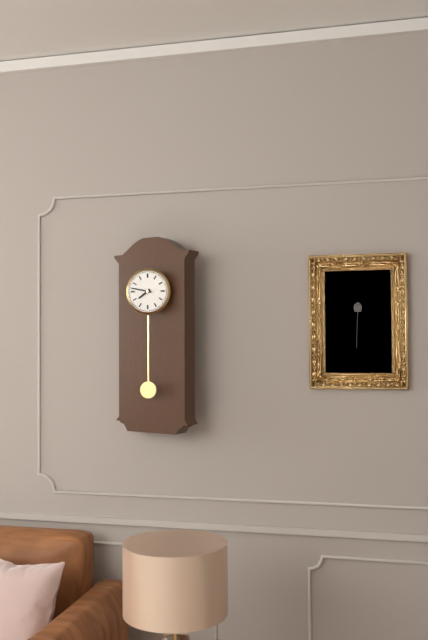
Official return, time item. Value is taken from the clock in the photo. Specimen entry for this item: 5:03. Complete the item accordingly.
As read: 7:47
